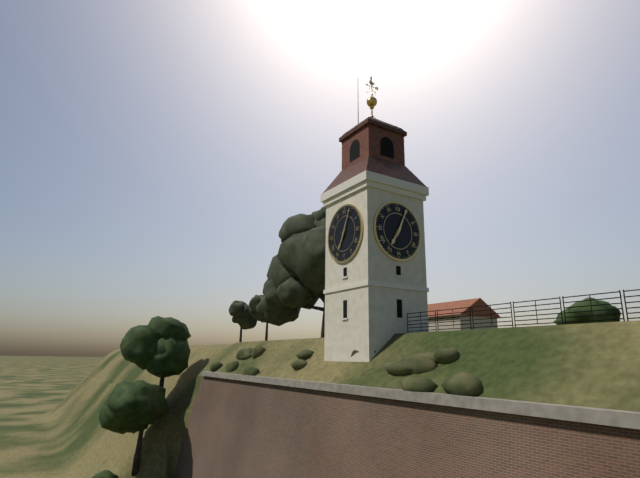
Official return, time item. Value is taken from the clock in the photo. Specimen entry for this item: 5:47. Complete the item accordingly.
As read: 7:04
